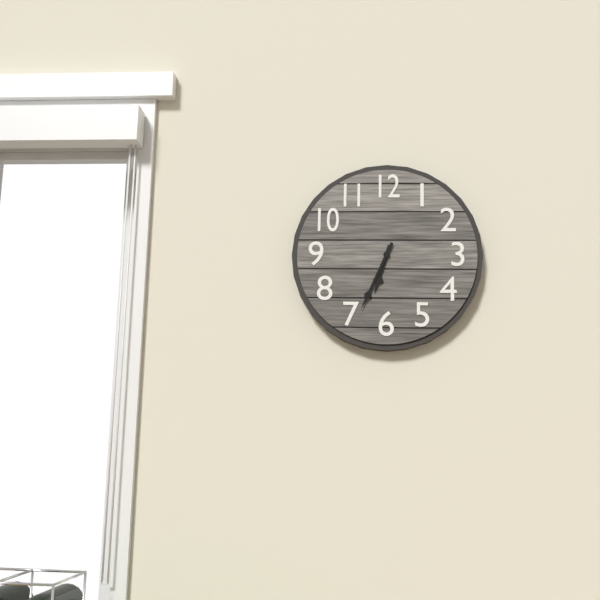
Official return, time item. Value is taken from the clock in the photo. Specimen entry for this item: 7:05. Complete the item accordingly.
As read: 6:34
